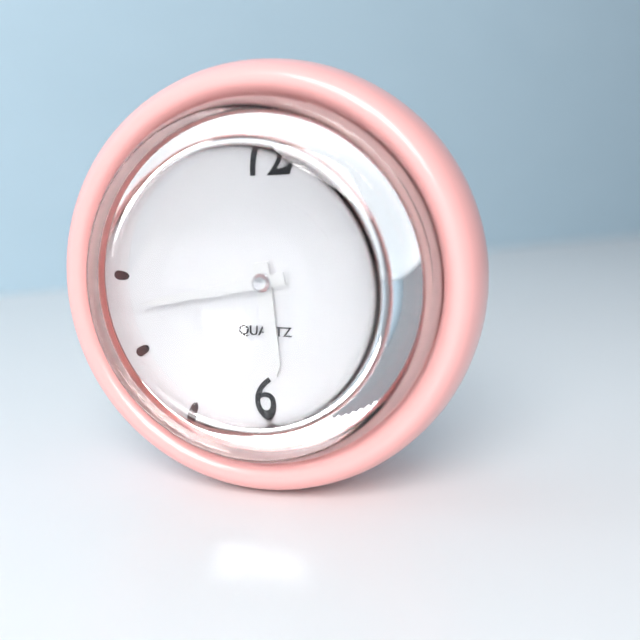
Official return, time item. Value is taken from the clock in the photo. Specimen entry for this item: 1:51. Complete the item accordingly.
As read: 5:43
